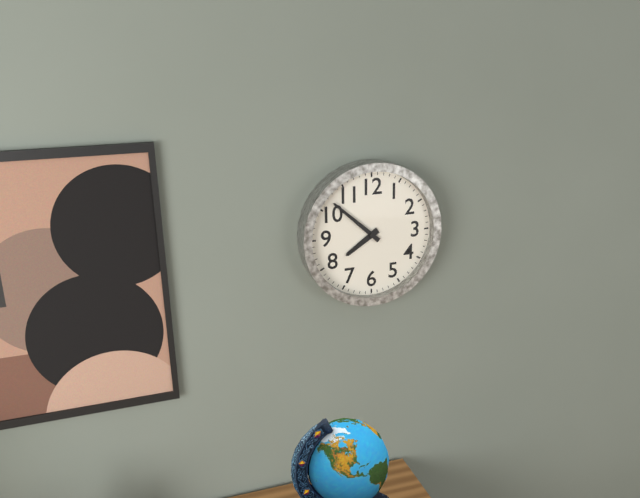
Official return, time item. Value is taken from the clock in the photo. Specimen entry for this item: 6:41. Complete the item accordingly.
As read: 7:52
